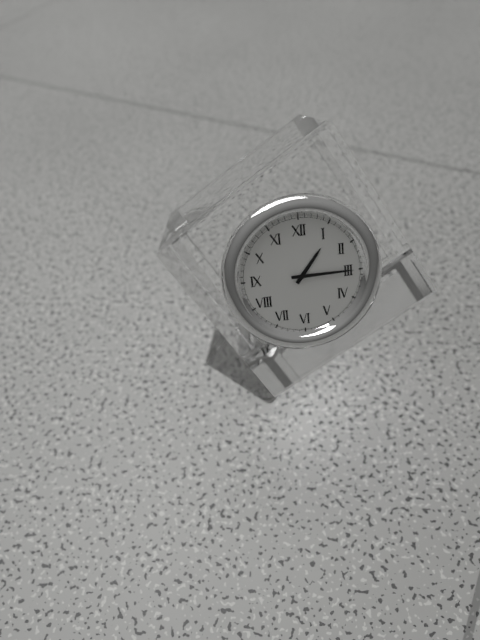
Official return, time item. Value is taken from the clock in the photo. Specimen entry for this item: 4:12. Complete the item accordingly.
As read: 1:15
